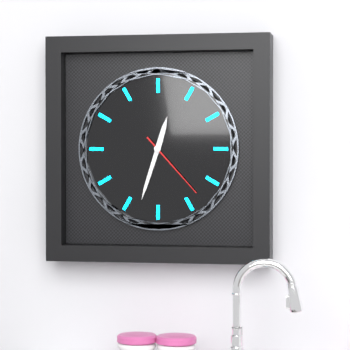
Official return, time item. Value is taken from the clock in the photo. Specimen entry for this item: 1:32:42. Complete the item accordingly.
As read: 12:33:23
